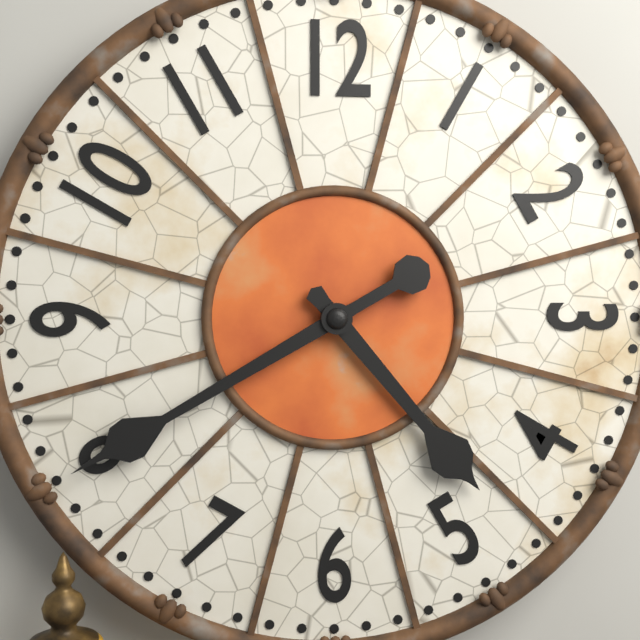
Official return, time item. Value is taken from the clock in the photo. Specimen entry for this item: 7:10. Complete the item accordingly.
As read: 4:40
